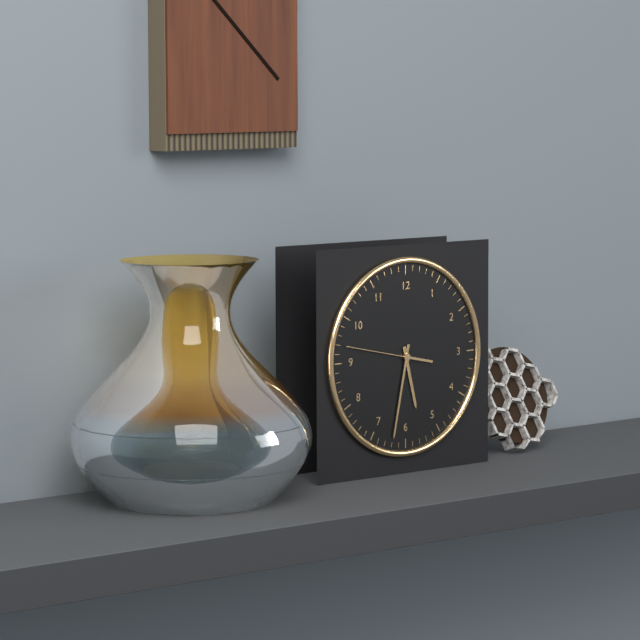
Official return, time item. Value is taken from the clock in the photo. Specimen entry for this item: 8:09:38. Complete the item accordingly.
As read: 5:32:47
